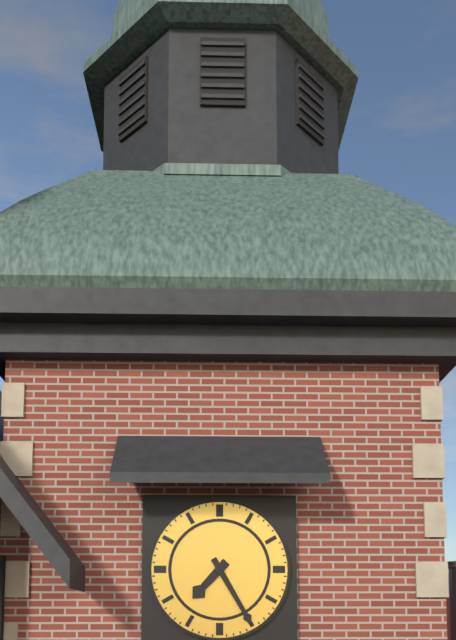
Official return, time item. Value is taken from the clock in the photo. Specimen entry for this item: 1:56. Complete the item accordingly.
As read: 7:25
